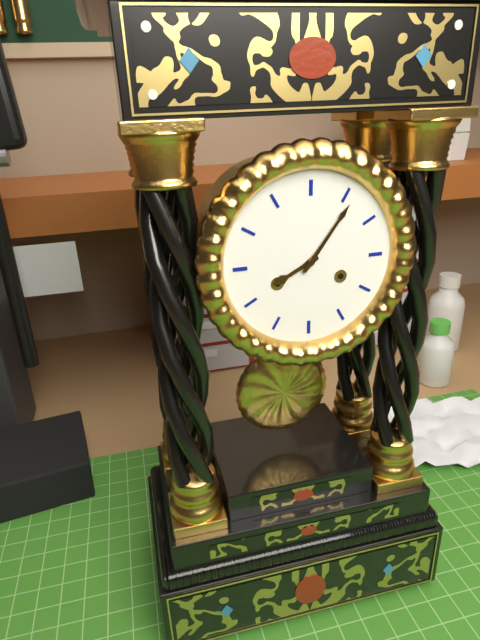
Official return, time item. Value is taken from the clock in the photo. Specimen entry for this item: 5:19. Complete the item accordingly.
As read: 8:06
